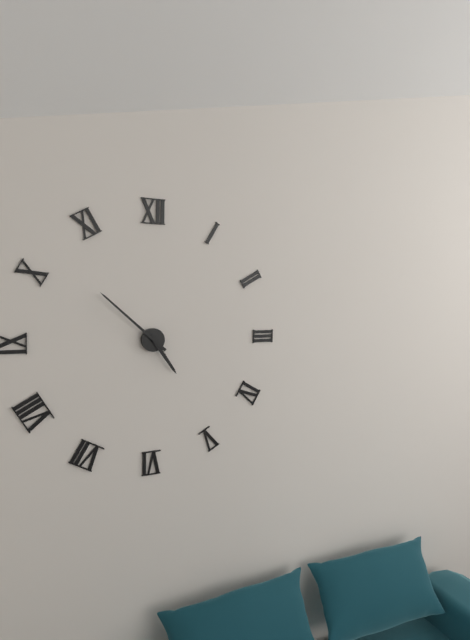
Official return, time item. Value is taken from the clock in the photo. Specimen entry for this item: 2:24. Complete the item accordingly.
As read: 4:52
